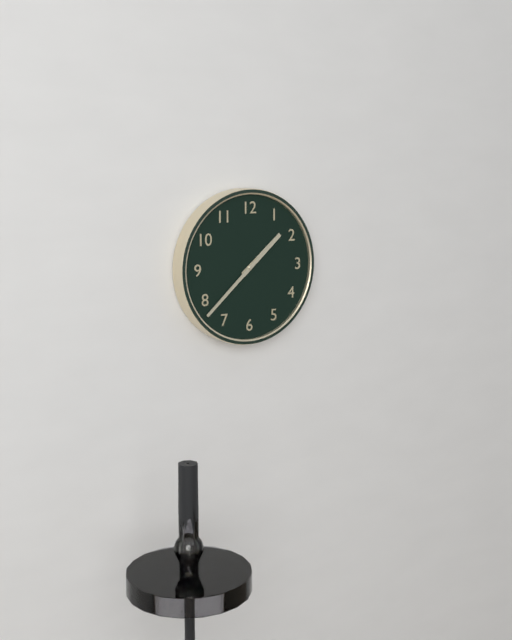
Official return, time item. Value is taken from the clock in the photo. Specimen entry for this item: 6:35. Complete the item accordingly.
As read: 1:38
